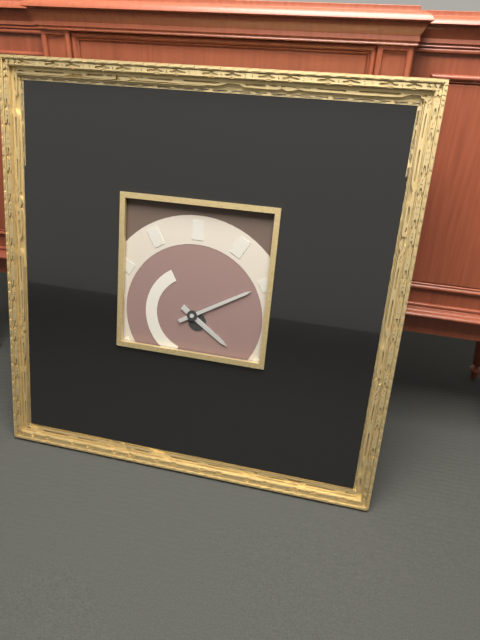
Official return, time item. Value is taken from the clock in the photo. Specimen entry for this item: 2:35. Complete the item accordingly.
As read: 4:10
